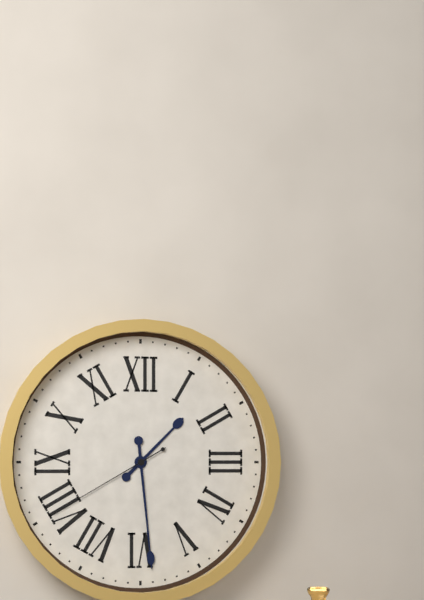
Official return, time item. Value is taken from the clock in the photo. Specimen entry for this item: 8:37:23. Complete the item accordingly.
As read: 1:29:40
